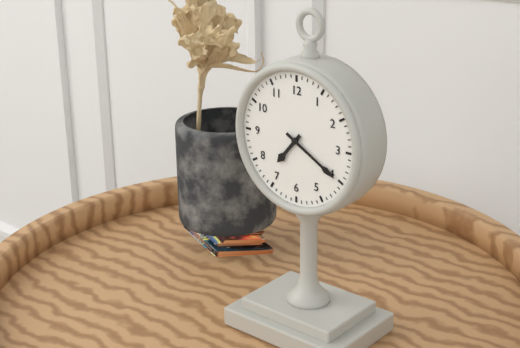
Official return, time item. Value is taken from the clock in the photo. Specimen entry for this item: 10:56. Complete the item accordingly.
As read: 7:20
